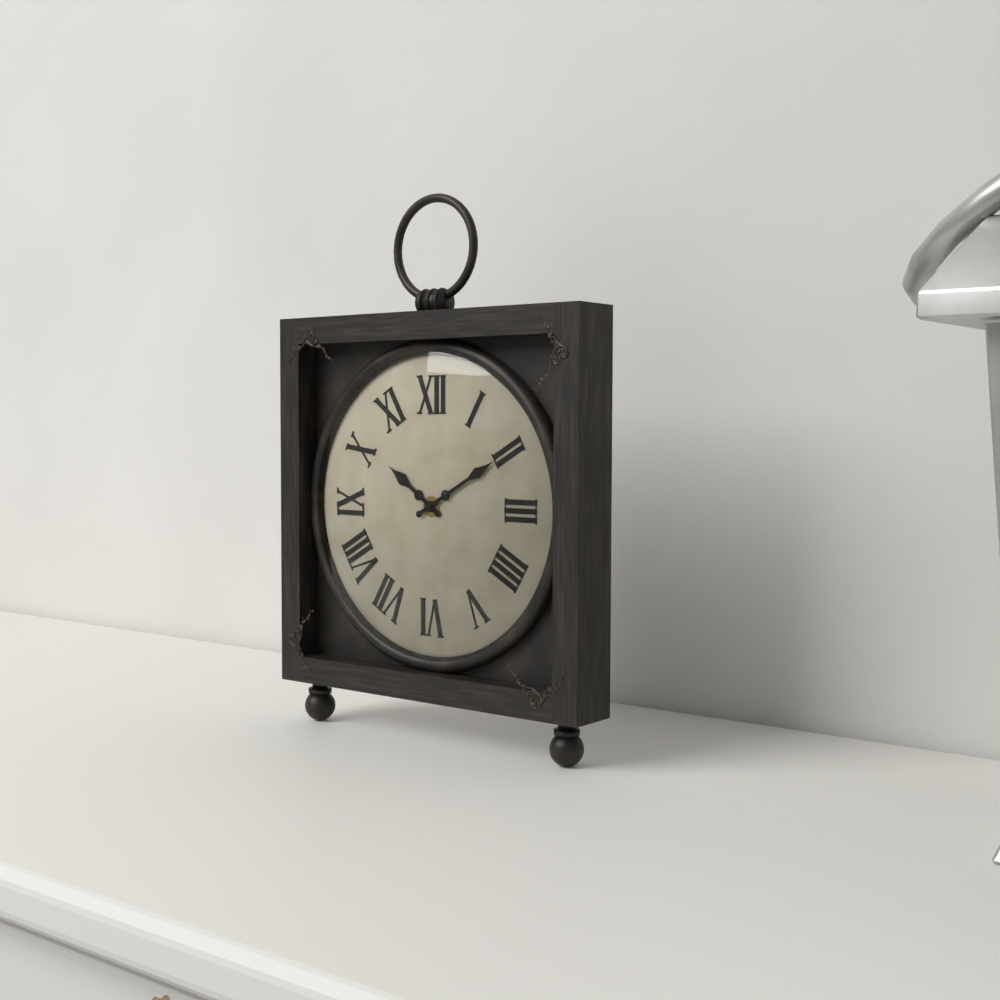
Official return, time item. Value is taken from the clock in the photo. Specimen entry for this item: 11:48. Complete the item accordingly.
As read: 10:10
